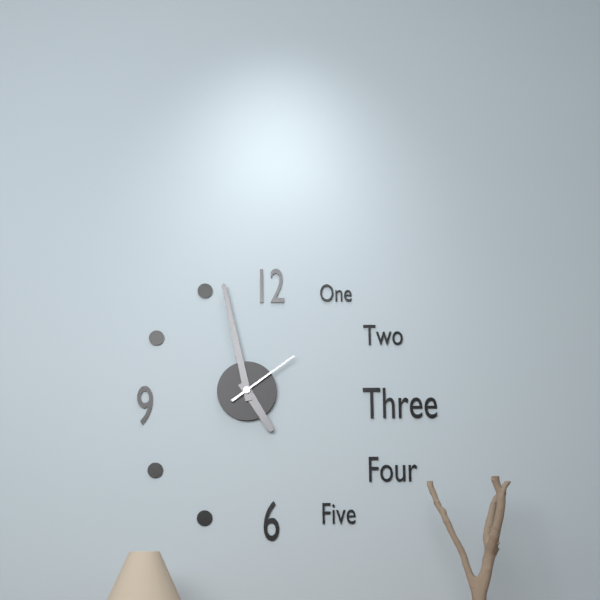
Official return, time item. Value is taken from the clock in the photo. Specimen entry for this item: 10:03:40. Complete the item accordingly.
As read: 4:58:09
